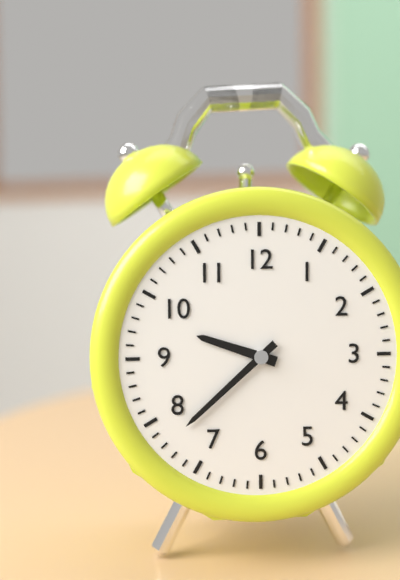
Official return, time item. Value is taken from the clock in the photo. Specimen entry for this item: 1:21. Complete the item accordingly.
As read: 9:38
